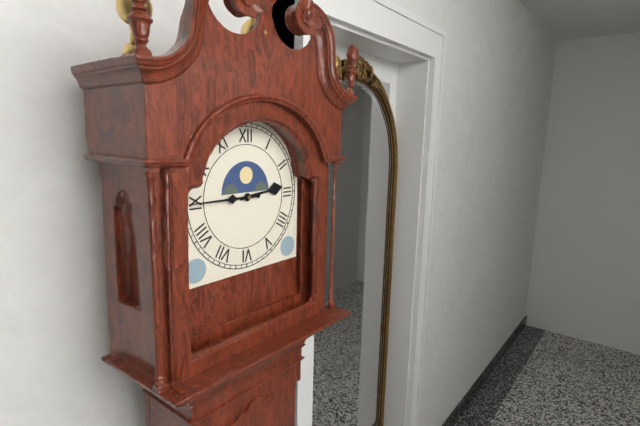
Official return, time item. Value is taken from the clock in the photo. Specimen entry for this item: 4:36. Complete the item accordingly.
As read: 2:45
